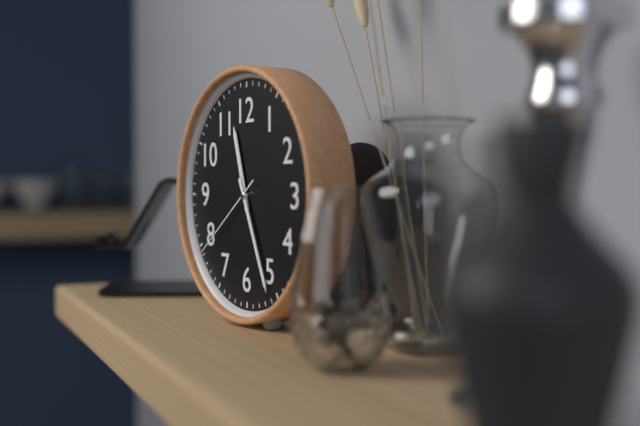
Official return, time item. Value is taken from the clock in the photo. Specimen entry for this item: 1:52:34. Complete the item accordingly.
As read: 11:26:39
